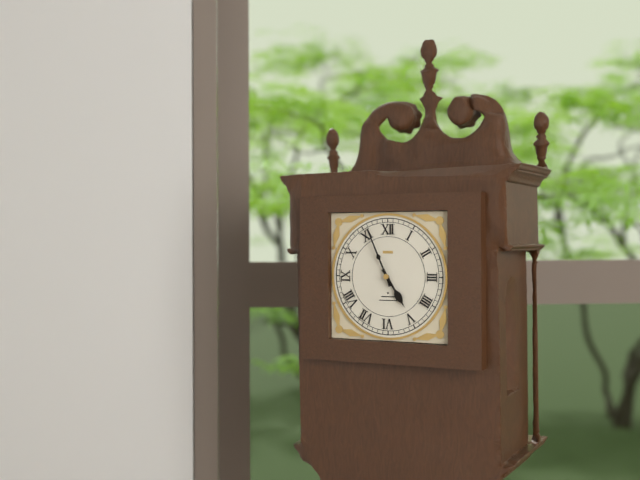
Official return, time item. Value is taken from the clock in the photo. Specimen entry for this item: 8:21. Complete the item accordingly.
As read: 4:56
